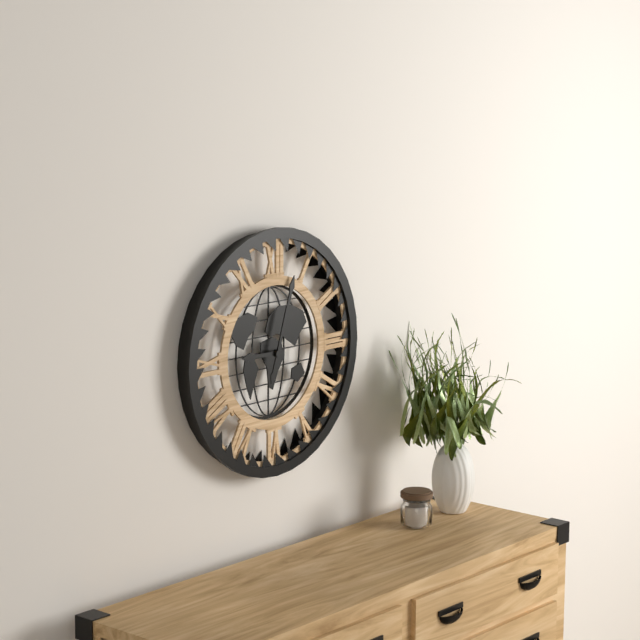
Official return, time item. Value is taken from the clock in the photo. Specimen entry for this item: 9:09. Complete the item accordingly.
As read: 9:03
